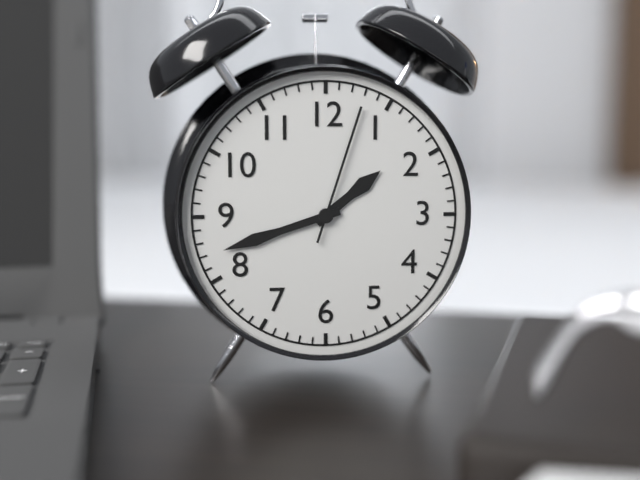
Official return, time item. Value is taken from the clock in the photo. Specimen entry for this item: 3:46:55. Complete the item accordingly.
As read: 1:42:03
